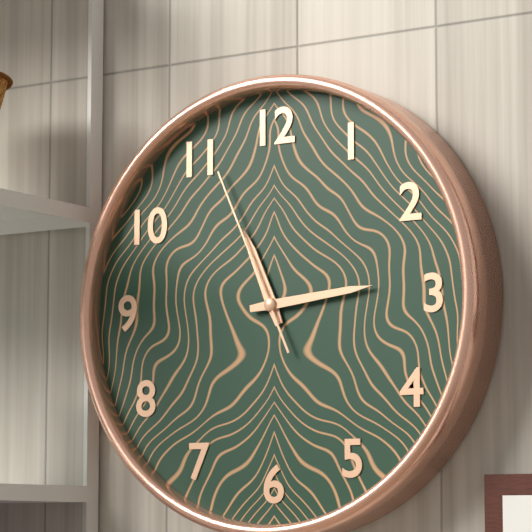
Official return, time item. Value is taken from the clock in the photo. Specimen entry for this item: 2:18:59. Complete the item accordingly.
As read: 11:14:56
